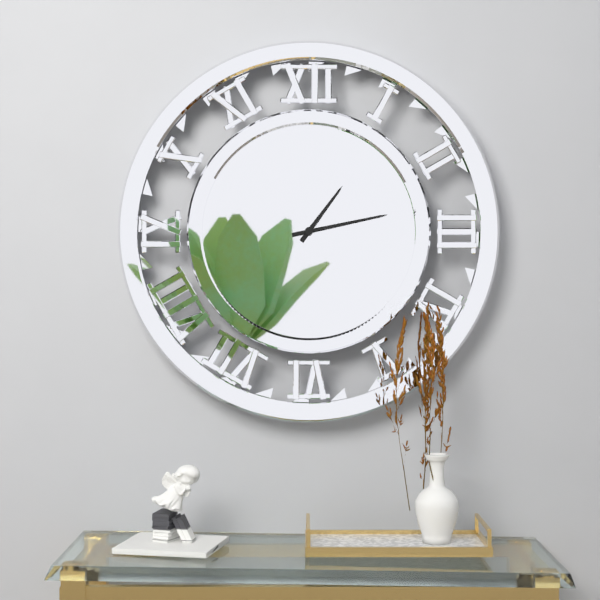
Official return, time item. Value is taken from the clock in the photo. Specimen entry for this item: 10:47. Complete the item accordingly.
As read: 1:13
